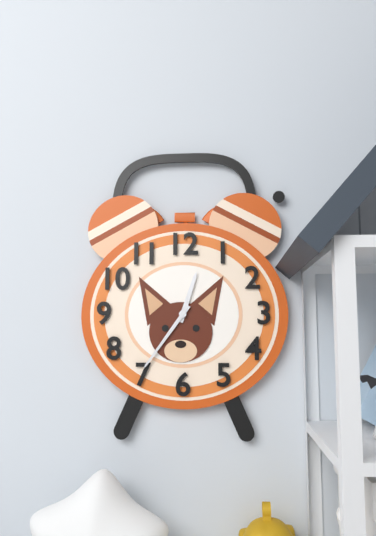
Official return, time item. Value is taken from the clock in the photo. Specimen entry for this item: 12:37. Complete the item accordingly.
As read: 12:36
